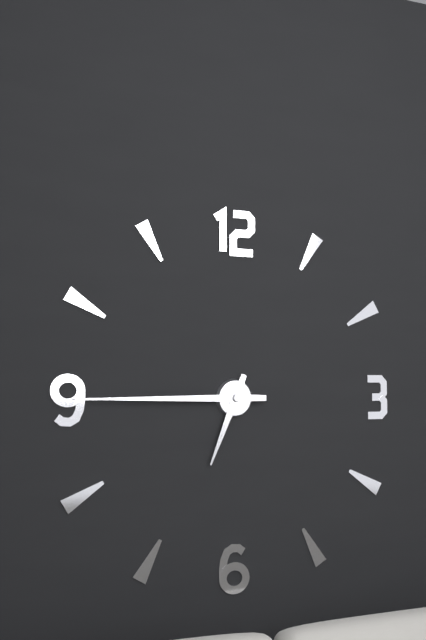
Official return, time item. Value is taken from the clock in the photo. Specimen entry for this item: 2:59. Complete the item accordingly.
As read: 6:45
